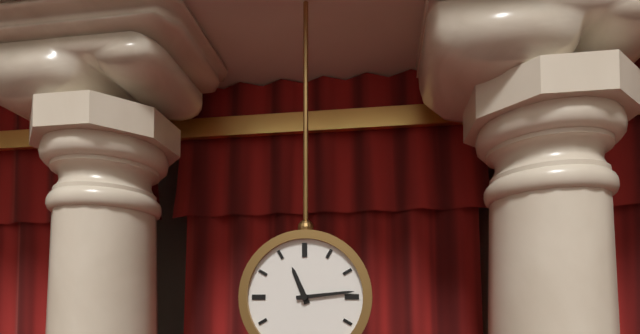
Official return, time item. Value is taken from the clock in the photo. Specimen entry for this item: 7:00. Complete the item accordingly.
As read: 11:14
